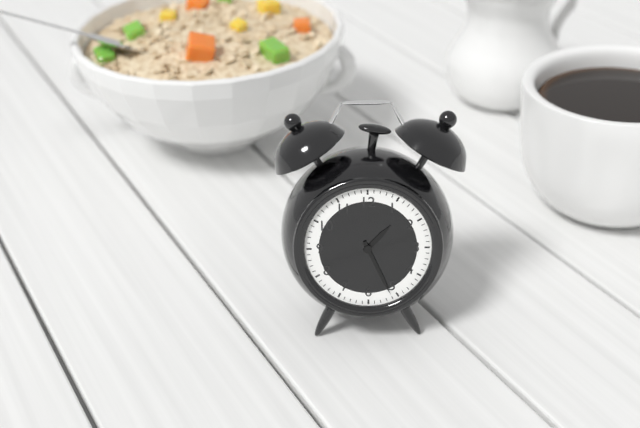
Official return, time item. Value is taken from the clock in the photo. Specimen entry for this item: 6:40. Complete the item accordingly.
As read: 1:26
